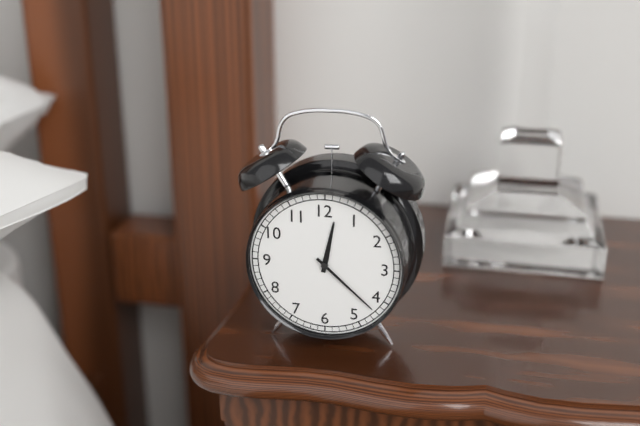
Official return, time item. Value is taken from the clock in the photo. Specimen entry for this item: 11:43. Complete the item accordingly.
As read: 12:22
